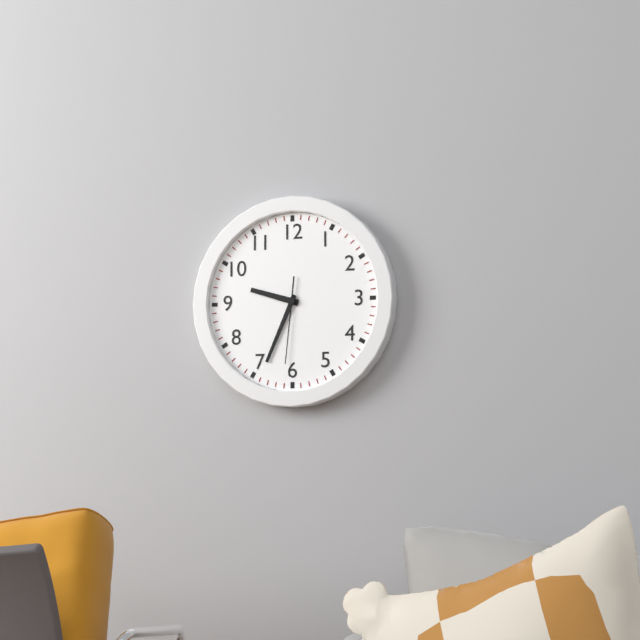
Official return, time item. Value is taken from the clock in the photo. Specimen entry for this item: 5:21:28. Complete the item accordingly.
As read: 9:34:31
